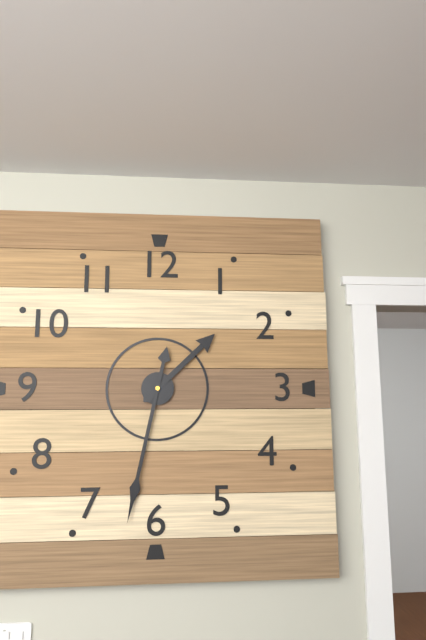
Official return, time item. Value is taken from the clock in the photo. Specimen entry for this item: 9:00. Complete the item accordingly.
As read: 1:32
